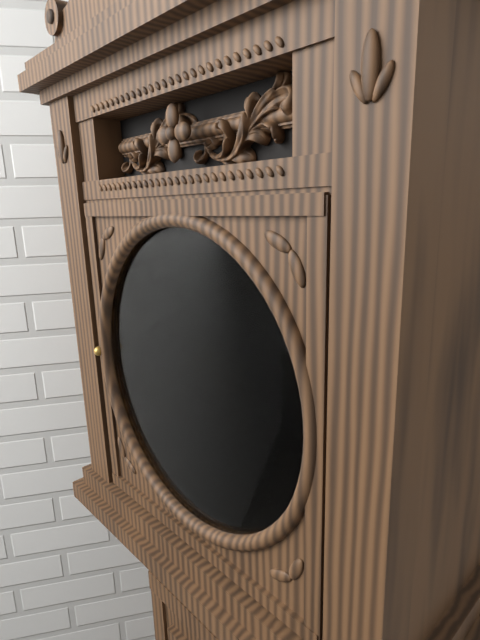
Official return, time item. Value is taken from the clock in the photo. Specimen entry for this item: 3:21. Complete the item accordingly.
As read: 6:33
